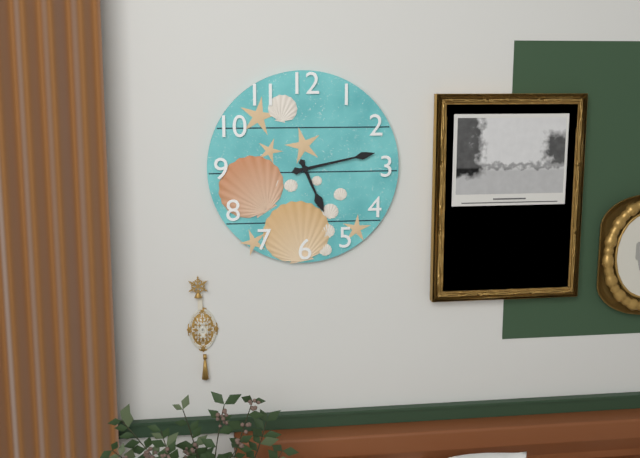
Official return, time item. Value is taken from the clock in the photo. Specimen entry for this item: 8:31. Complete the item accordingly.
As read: 5:13
